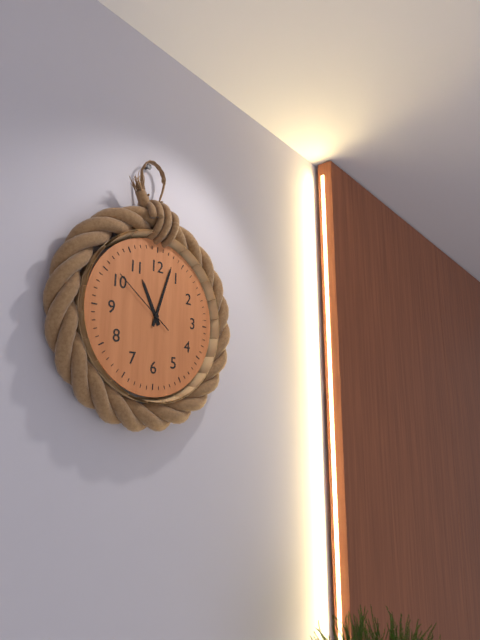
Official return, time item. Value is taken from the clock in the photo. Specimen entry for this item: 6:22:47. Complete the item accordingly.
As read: 11:03:51
